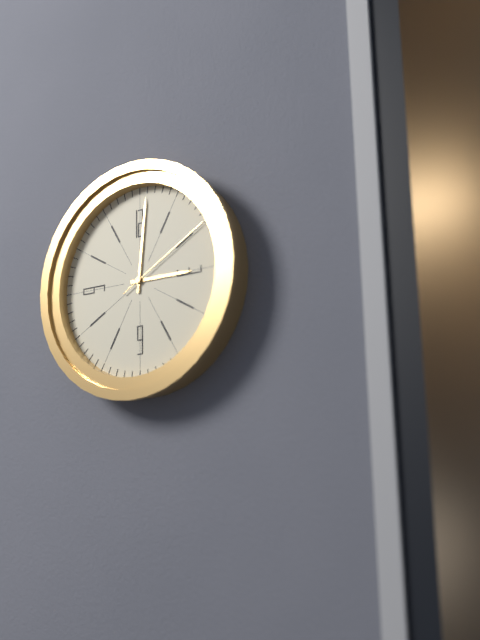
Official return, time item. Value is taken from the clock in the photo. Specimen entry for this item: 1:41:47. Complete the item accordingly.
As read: 3:01:10
